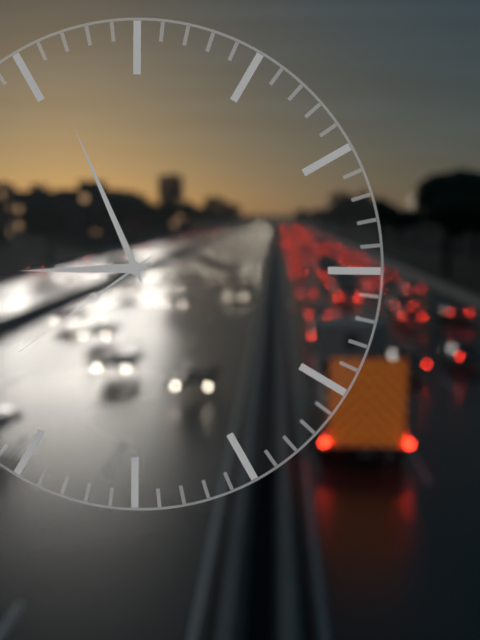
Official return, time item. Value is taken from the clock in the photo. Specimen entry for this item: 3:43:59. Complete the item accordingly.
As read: 8:56:39
